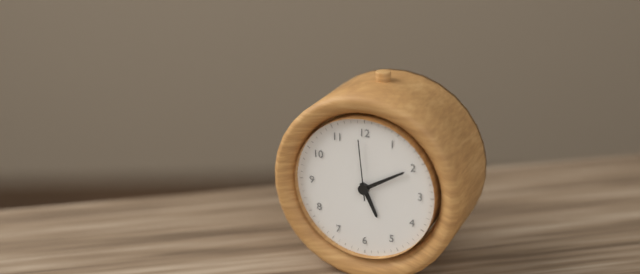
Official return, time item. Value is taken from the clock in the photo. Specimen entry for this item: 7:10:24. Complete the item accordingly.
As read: 5:10:59
